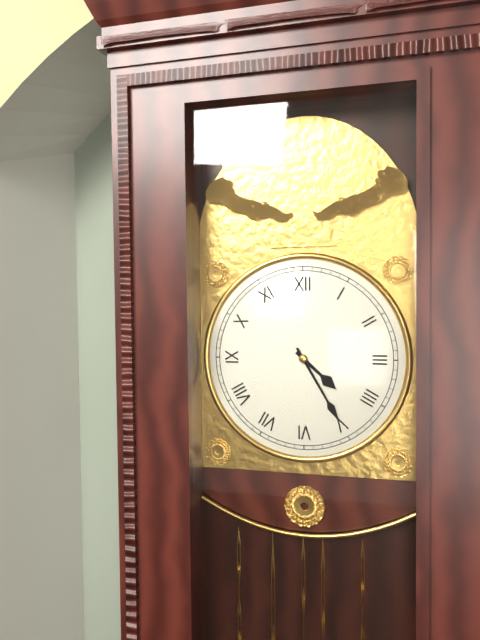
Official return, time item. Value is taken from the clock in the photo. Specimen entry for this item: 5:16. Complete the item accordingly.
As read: 4:25
